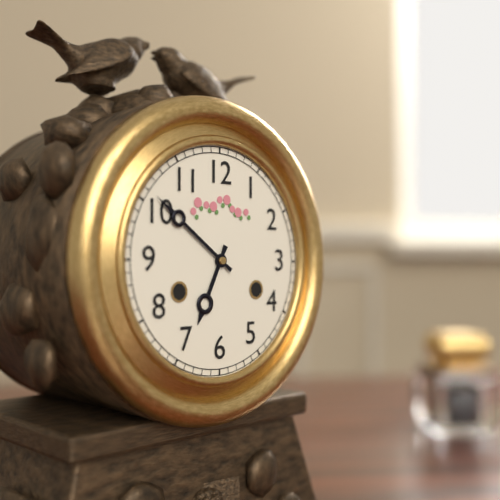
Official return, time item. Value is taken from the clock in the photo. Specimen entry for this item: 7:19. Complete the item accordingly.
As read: 6:51
